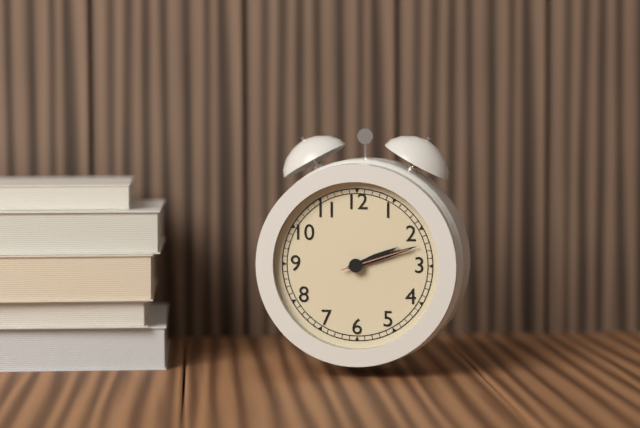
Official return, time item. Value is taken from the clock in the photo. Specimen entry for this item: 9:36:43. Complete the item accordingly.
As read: 2:12:12
